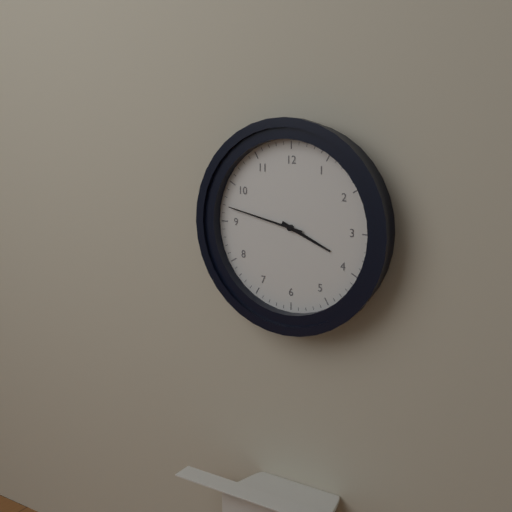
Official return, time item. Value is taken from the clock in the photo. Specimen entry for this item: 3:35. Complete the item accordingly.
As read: 3:47
